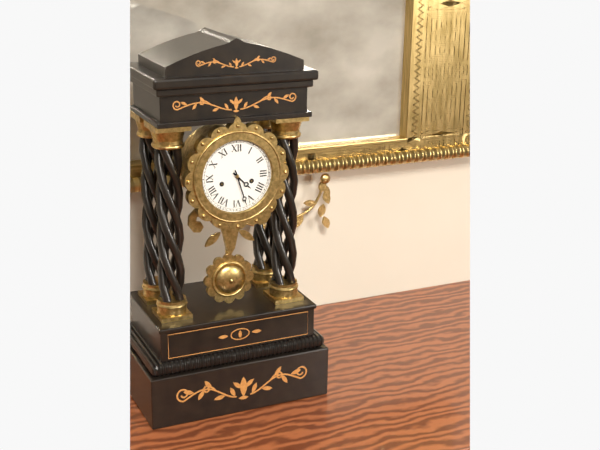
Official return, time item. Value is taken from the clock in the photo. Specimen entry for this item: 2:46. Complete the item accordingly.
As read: 4:27
